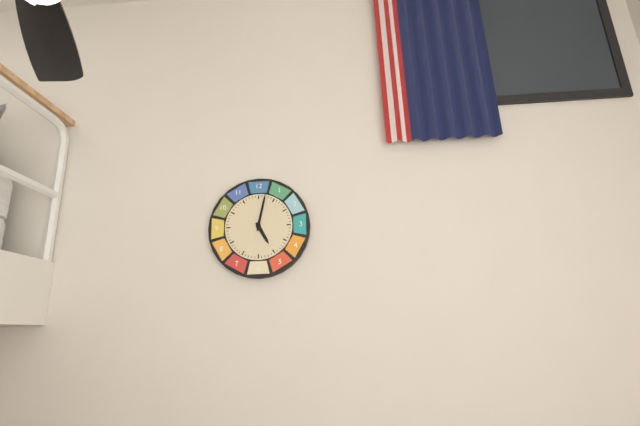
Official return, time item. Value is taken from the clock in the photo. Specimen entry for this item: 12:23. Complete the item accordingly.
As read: 5:02
